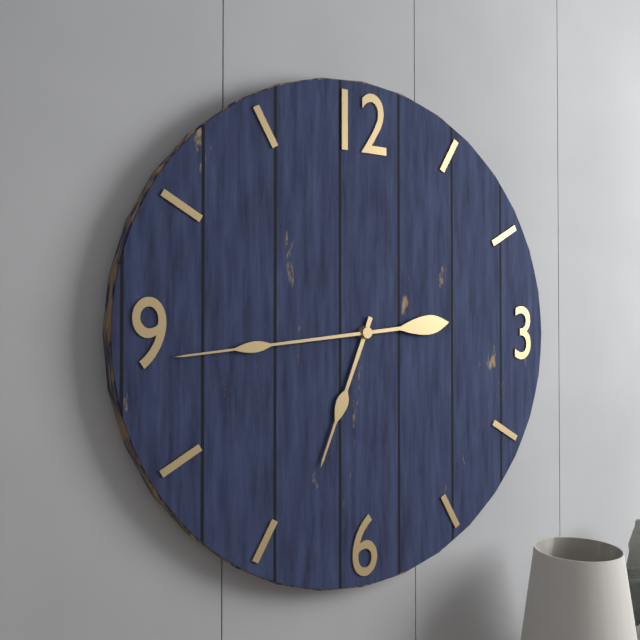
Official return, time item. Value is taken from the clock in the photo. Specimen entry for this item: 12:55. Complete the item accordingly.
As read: 6:44
